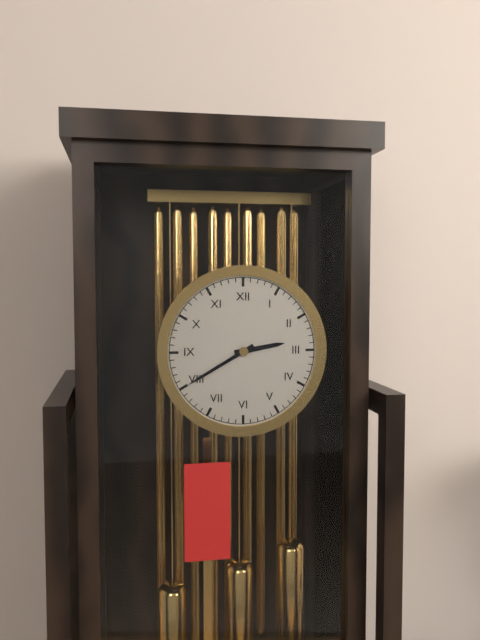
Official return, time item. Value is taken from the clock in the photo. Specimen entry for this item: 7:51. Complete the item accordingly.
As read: 2:40
